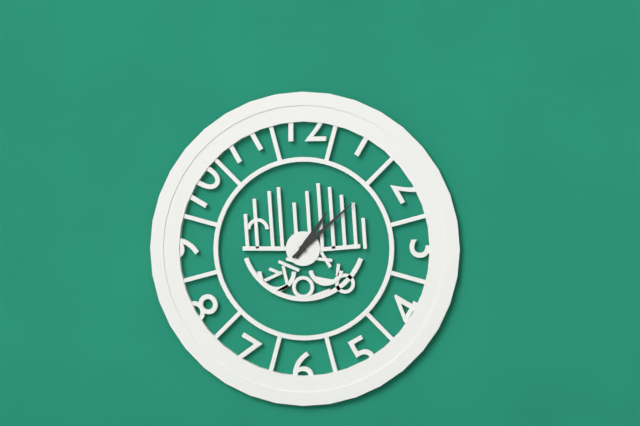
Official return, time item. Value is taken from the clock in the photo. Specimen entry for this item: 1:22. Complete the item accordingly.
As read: 1:08
